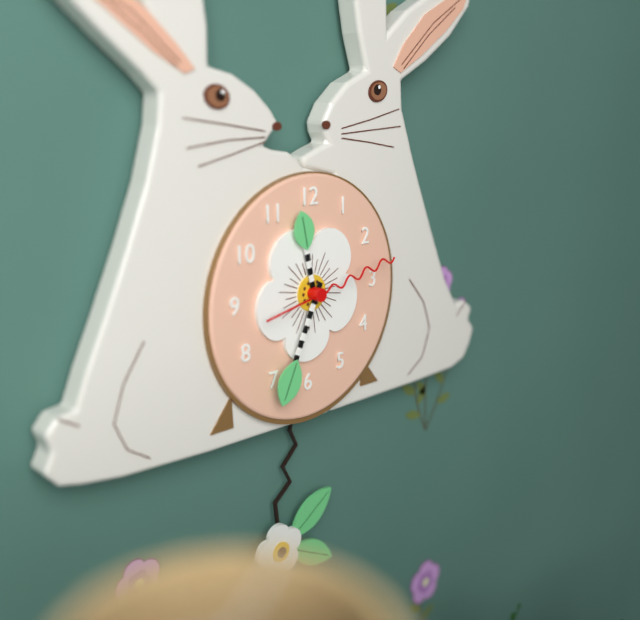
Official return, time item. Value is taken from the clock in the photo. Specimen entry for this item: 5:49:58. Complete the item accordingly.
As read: 11:34:13
